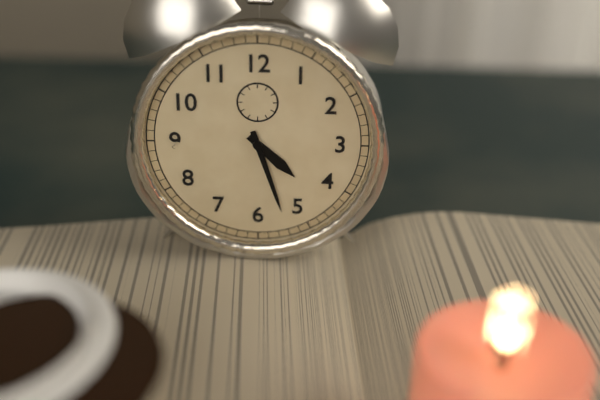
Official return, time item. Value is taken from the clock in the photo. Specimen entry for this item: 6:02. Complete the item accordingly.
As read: 4:27
